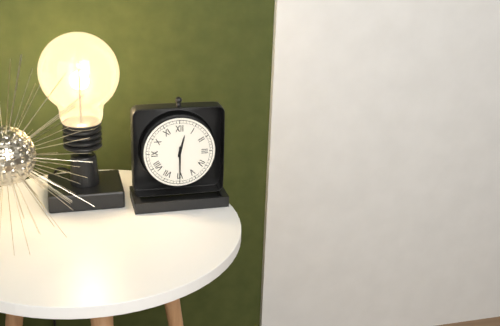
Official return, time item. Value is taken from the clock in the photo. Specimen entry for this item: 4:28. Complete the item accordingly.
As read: 12:30
